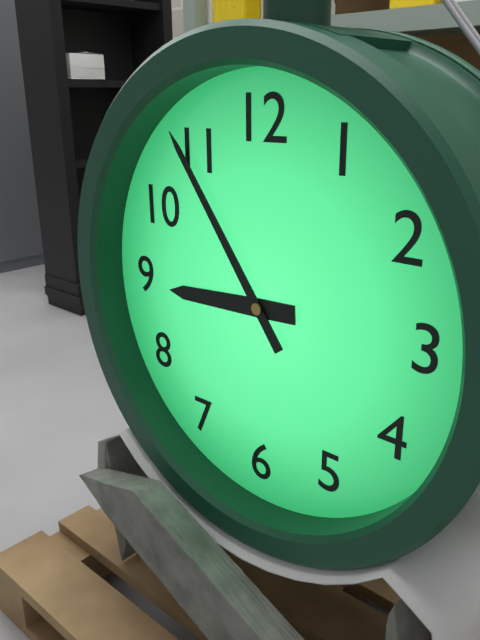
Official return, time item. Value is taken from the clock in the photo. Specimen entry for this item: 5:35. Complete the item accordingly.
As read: 8:54
